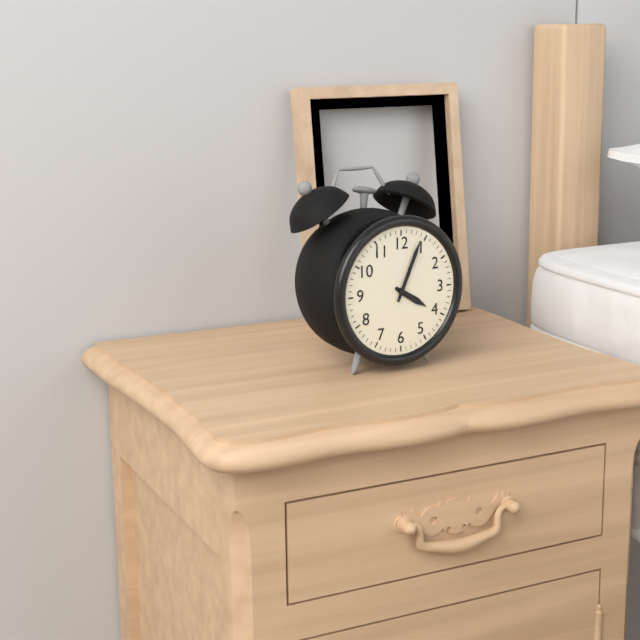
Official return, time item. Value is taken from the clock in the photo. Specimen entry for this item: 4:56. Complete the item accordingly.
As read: 4:04
